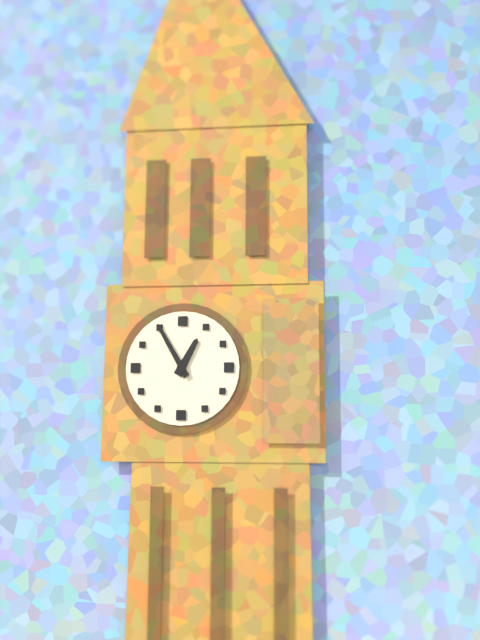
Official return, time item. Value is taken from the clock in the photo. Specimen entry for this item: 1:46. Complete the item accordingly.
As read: 12:55
